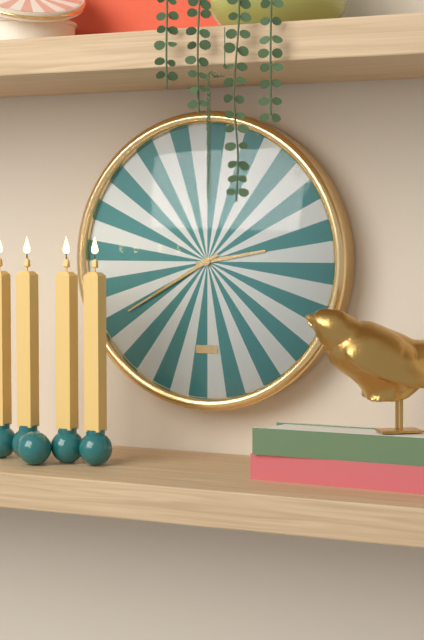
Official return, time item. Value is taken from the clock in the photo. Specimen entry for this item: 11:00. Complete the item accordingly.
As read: 2:40
